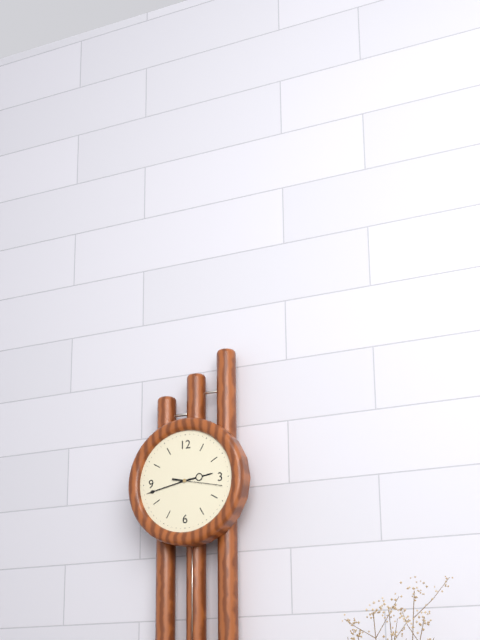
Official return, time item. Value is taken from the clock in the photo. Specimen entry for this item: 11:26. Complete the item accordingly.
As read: 2:43
